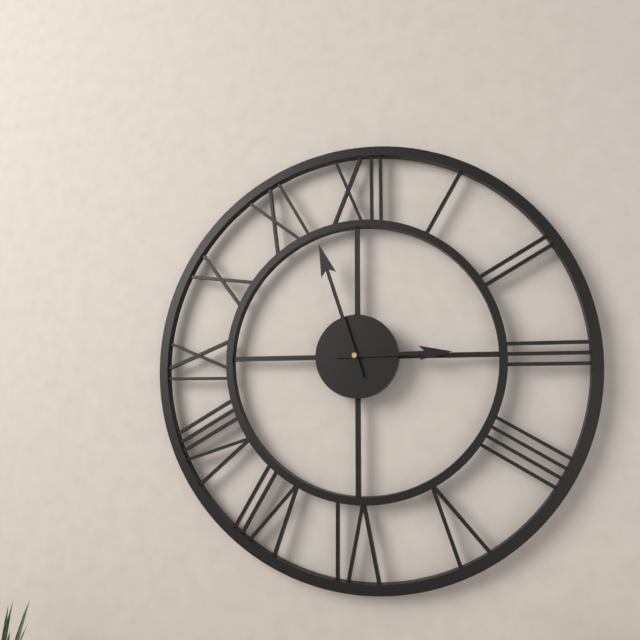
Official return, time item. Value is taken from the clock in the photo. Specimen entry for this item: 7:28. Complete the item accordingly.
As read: 2:57
